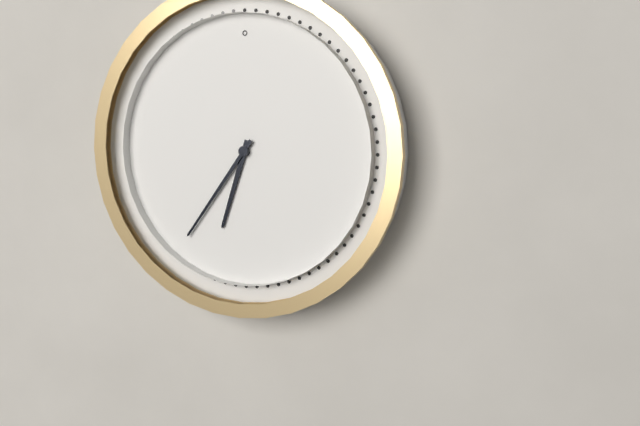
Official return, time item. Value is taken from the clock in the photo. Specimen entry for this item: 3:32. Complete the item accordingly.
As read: 6:36
